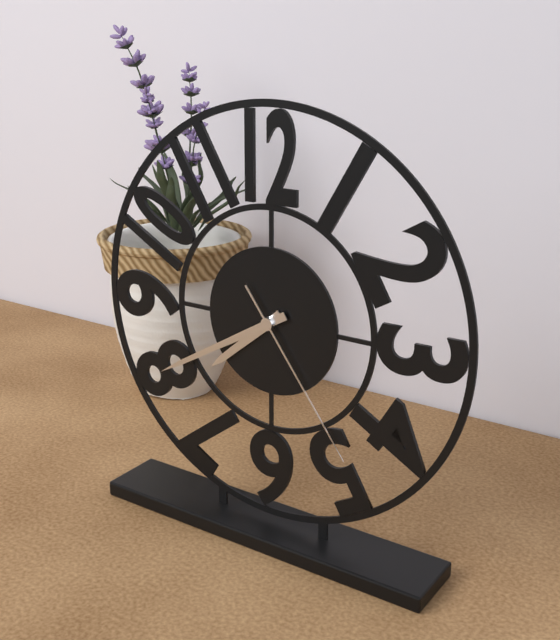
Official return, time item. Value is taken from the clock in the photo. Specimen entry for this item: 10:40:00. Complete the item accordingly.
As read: 7:40:24
